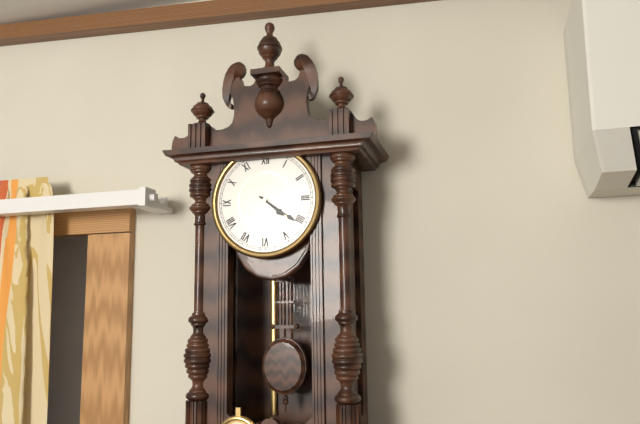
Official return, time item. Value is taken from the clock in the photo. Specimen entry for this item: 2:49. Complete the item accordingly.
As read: 4:21
